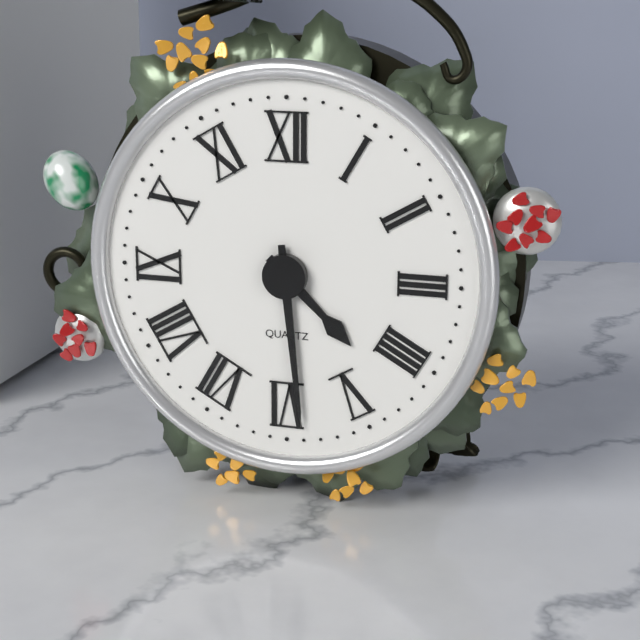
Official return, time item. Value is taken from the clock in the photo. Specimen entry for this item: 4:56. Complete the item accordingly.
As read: 4:29
